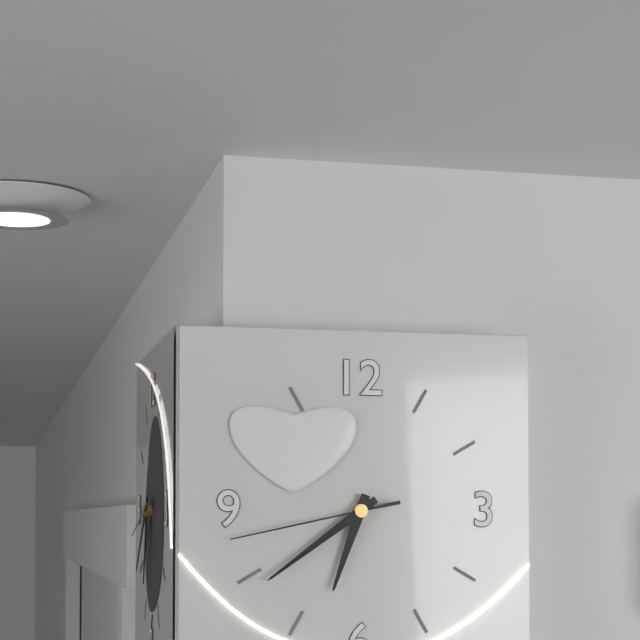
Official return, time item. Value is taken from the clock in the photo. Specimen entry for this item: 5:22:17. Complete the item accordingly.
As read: 6:39:43
